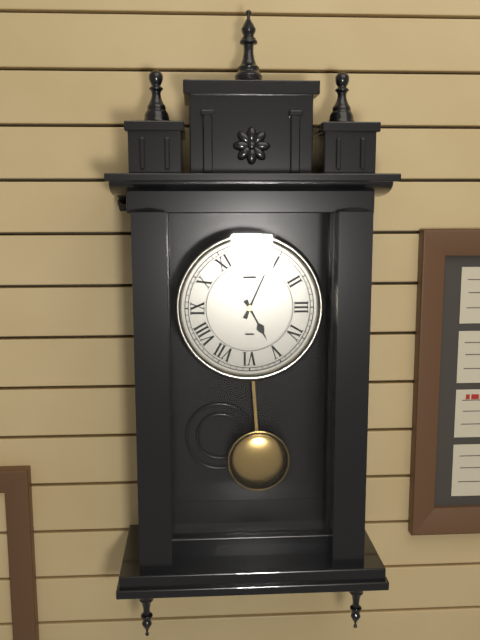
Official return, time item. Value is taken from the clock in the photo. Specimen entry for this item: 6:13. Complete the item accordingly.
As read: 5:04
